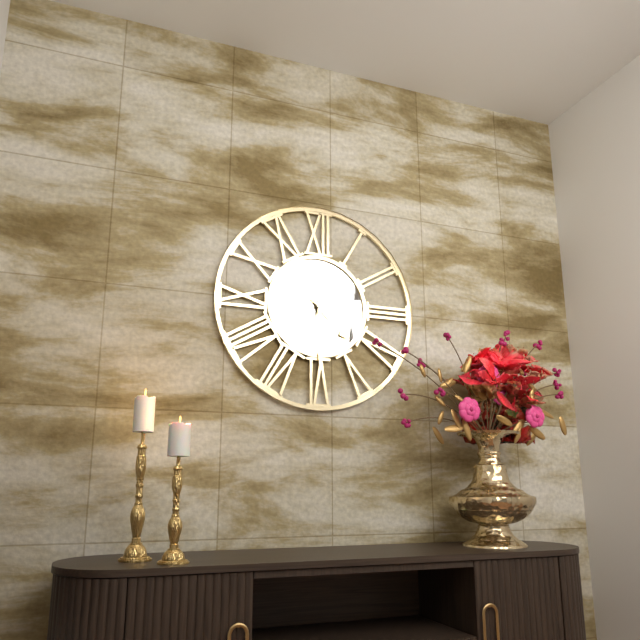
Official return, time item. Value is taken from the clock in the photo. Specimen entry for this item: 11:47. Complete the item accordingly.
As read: 4:30
